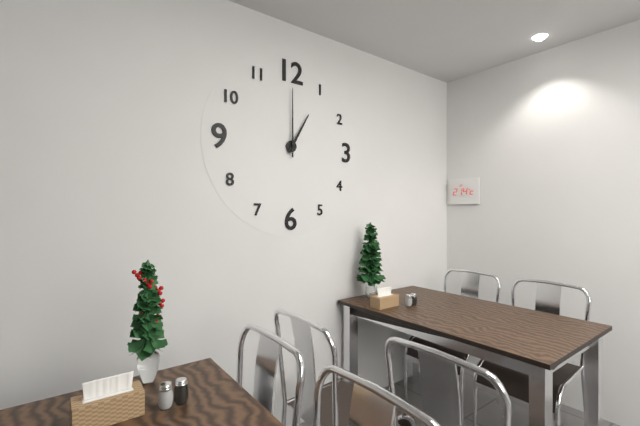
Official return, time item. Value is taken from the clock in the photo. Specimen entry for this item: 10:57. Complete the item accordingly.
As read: 1:00
